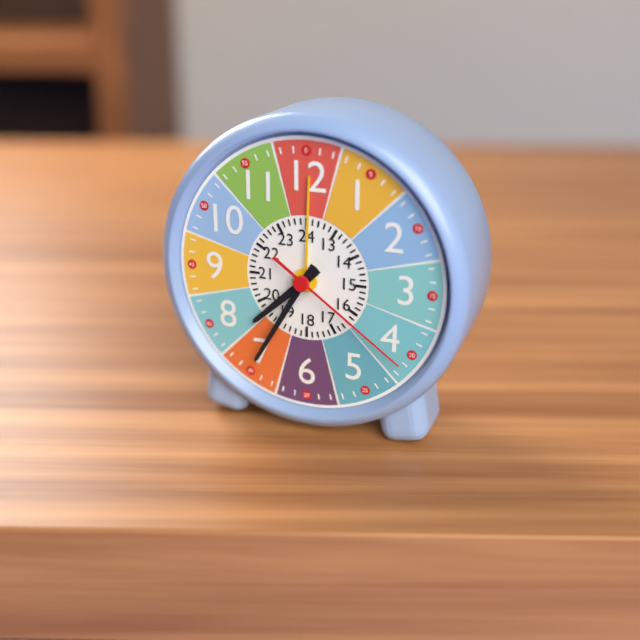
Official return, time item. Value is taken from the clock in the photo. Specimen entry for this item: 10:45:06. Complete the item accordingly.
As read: 7:35:21
